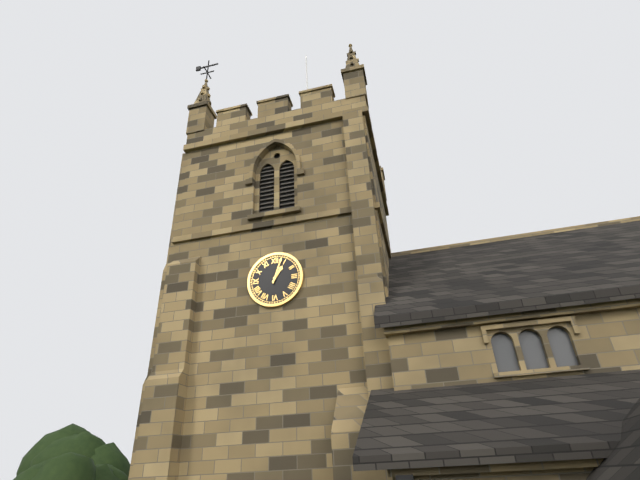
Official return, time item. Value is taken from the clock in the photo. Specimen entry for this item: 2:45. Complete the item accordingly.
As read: 1:03
